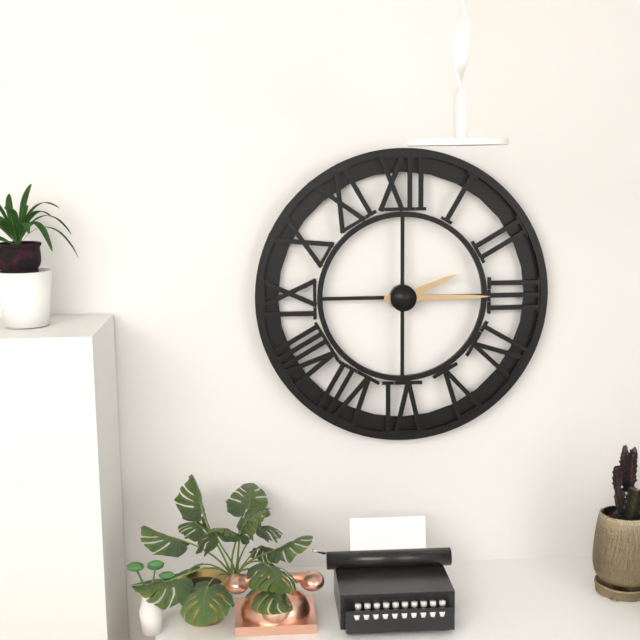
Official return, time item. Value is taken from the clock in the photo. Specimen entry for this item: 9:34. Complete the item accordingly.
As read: 2:15
